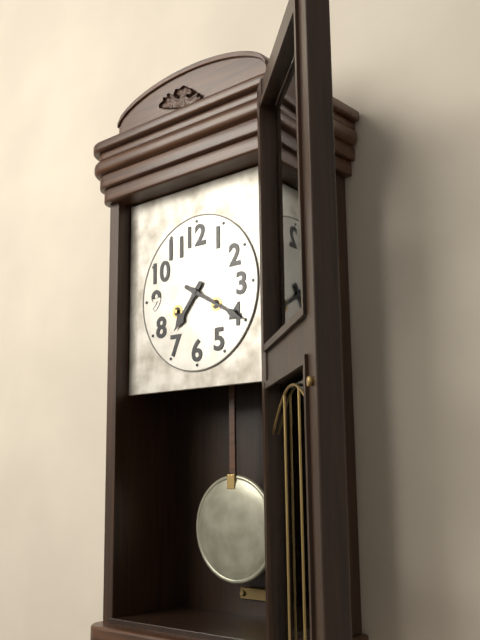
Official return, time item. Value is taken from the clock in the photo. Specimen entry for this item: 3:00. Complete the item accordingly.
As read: 7:20
